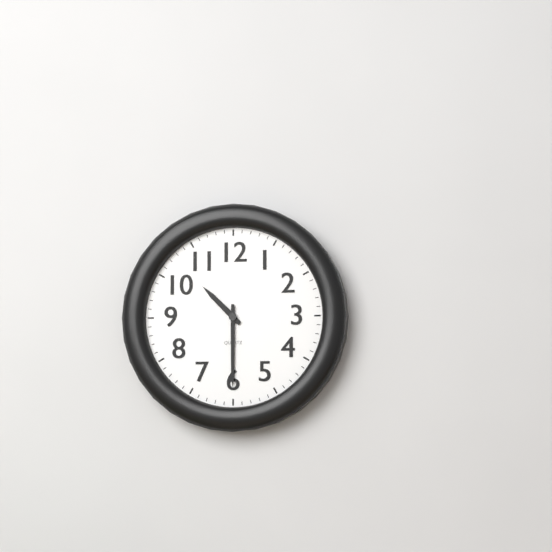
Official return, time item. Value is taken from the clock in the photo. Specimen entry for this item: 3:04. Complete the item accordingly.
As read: 10:30
